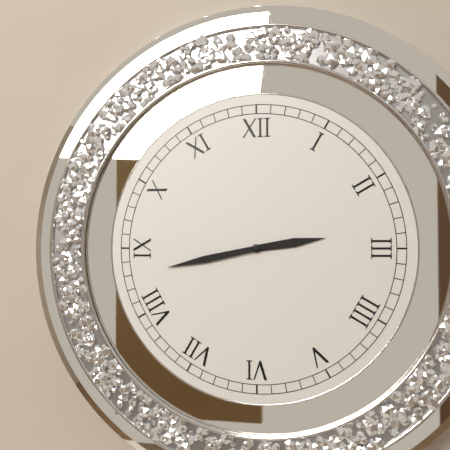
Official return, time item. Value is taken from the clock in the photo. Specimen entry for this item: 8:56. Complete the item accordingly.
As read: 2:43
